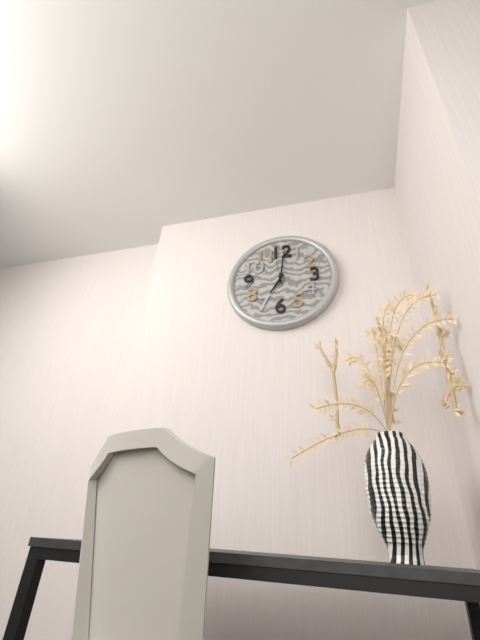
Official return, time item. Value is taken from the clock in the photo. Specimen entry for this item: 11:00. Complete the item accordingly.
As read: 7:01
